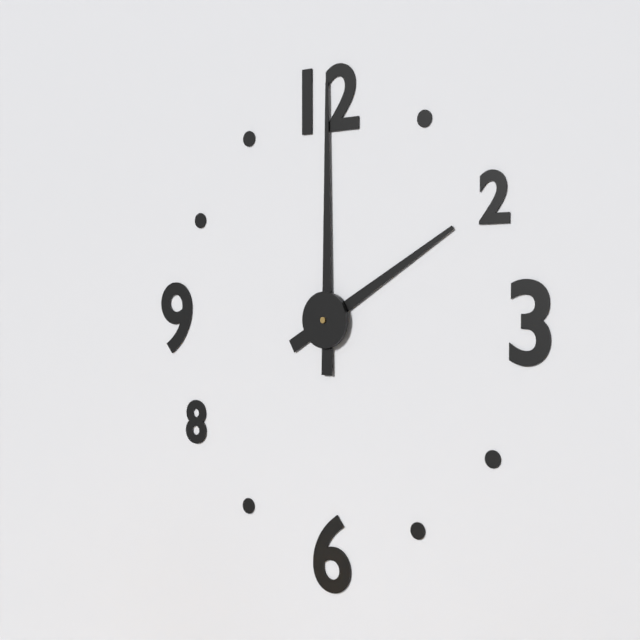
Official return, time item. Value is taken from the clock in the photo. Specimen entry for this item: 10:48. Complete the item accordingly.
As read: 2:00
